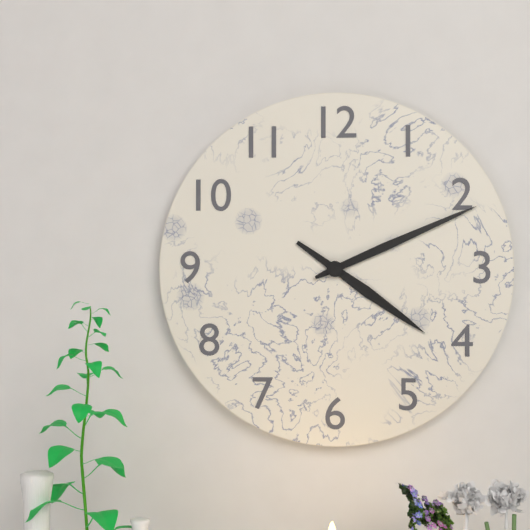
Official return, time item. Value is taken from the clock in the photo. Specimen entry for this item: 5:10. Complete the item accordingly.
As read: 4:11
